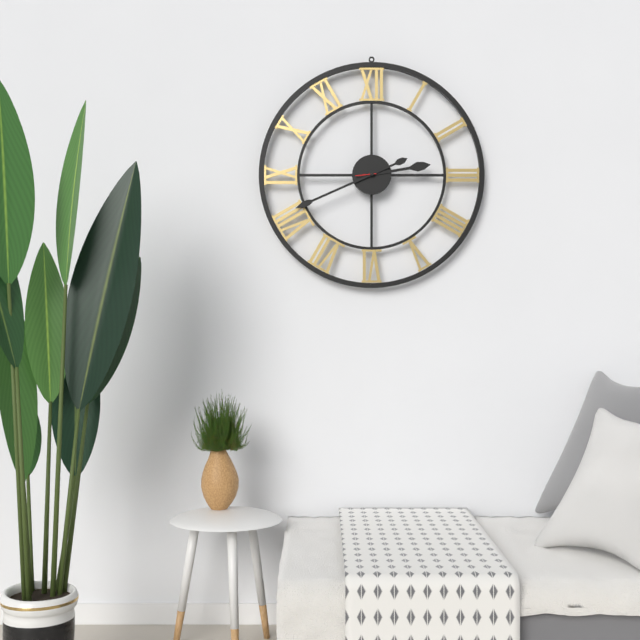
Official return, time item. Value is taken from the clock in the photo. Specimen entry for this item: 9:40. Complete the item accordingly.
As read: 2:41
